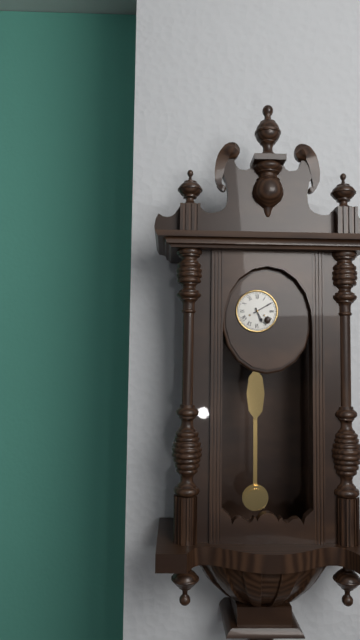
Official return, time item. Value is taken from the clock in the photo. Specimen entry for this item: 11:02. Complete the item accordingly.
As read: 5:10
